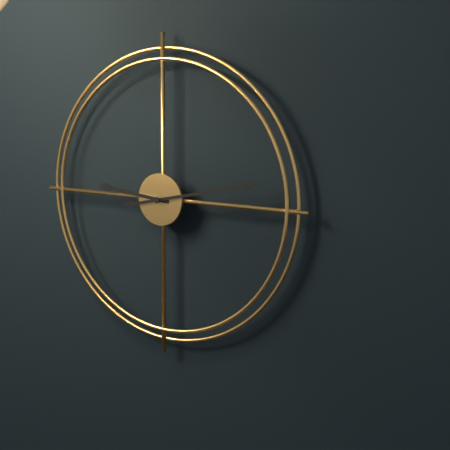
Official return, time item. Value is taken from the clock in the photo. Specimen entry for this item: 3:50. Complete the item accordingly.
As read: 9:13
